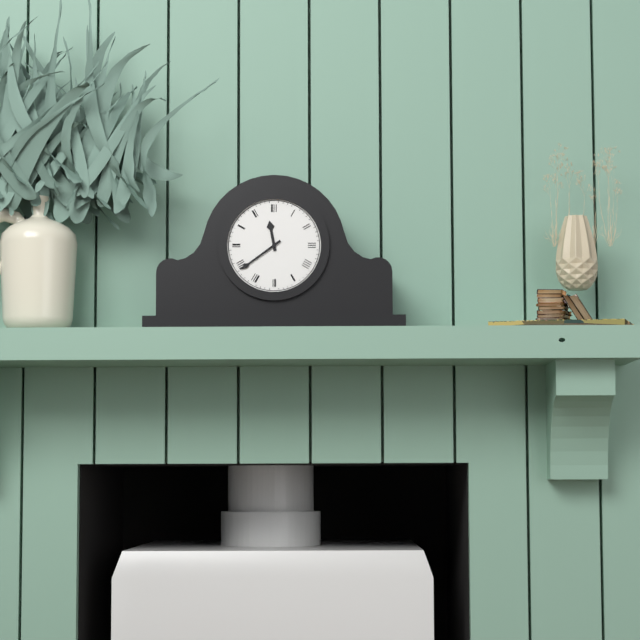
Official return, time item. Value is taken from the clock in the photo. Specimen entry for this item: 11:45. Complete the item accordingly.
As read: 11:39
